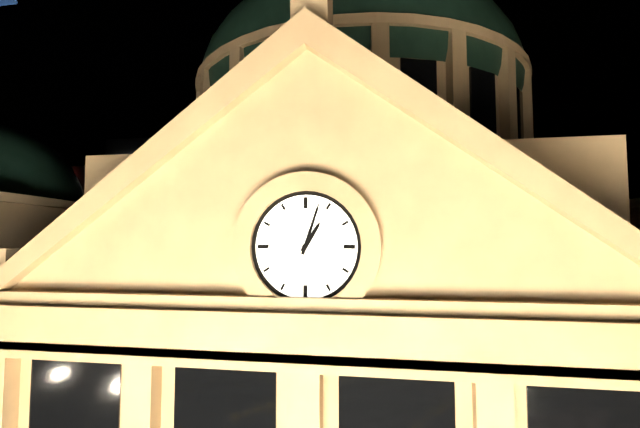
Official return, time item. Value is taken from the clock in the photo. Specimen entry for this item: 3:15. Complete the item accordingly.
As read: 1:03
